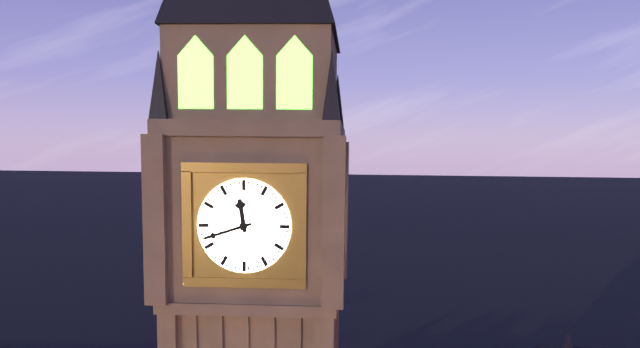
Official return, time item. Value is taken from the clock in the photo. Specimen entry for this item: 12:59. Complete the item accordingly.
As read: 11:42
